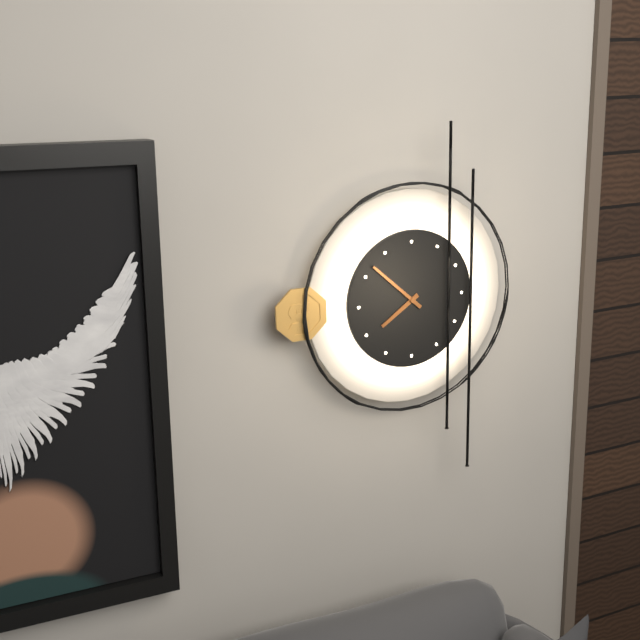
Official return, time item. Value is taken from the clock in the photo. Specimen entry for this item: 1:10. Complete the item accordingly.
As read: 7:52
